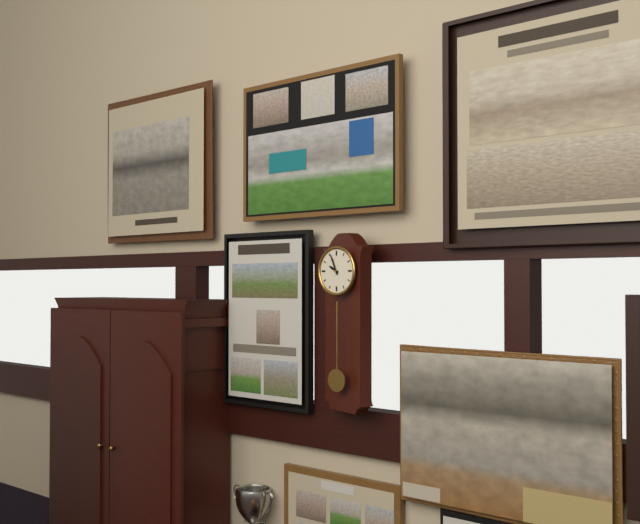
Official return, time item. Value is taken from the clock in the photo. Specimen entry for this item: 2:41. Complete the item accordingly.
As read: 9:56
